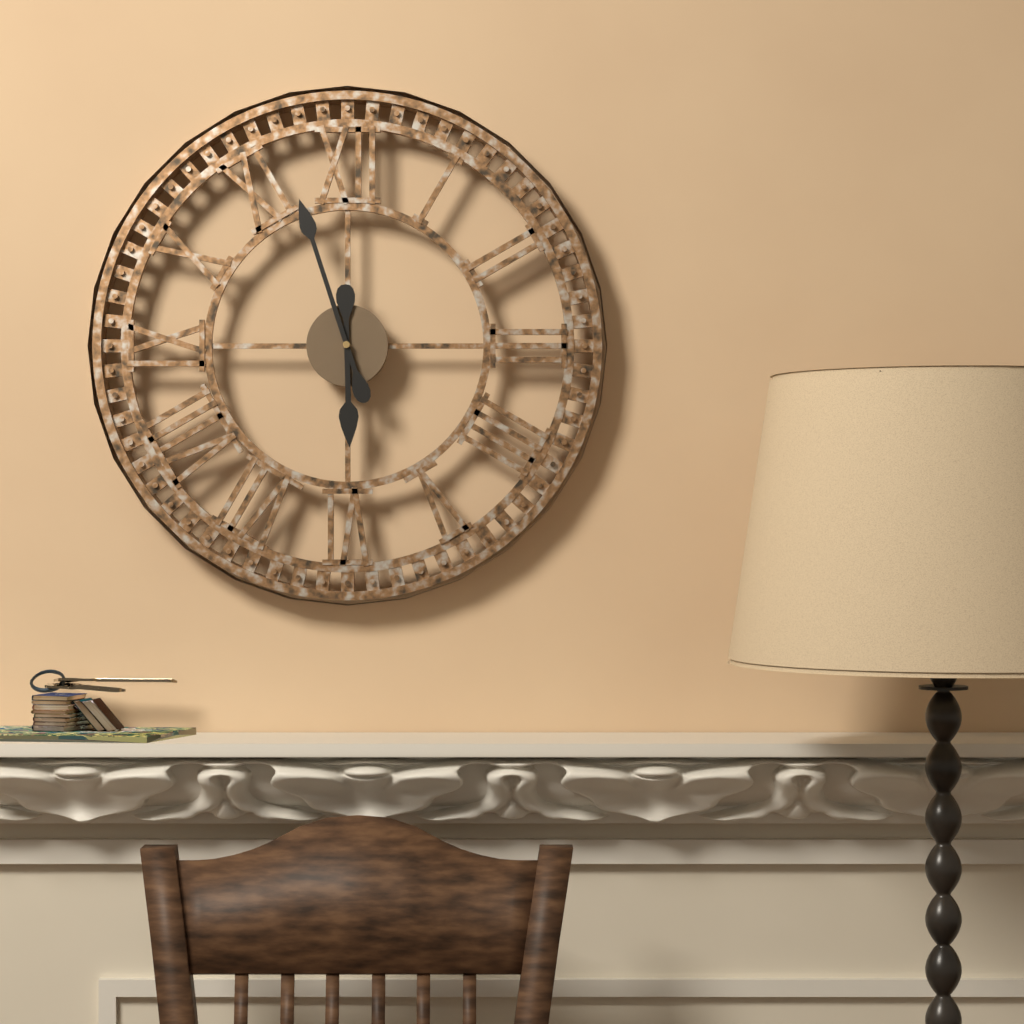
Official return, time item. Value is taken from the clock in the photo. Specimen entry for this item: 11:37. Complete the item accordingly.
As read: 5:57
